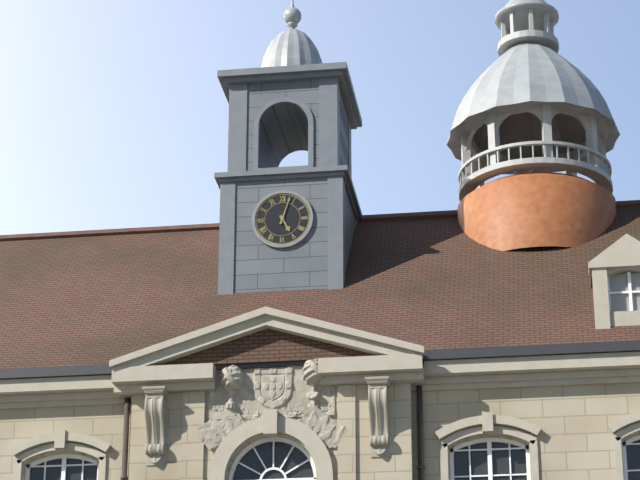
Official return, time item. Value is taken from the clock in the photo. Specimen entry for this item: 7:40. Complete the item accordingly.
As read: 5:03
